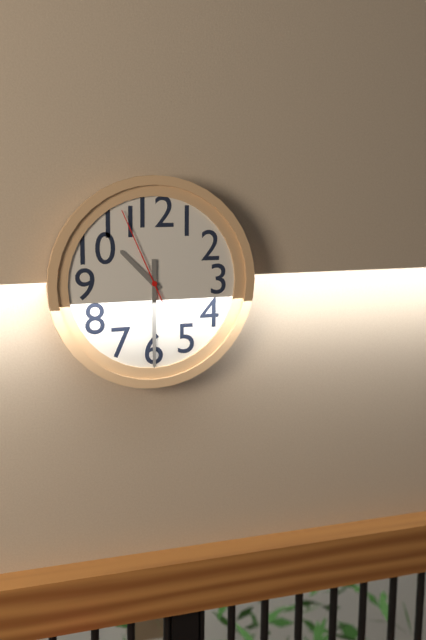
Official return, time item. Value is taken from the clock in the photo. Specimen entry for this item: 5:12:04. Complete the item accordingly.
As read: 10:30:56
